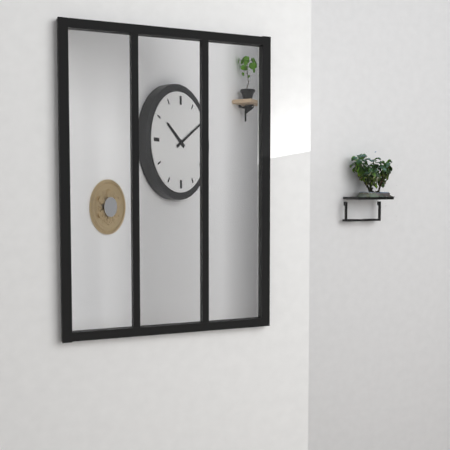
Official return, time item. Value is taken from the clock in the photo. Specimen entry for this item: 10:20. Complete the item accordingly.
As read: 10:10
